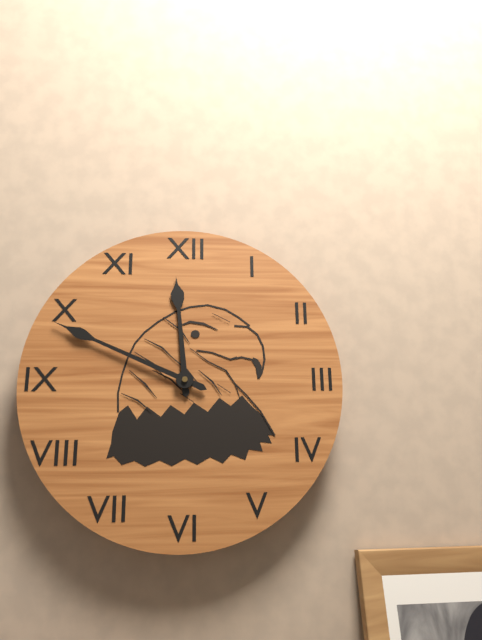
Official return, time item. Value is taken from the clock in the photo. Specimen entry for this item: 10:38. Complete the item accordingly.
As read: 11:49
